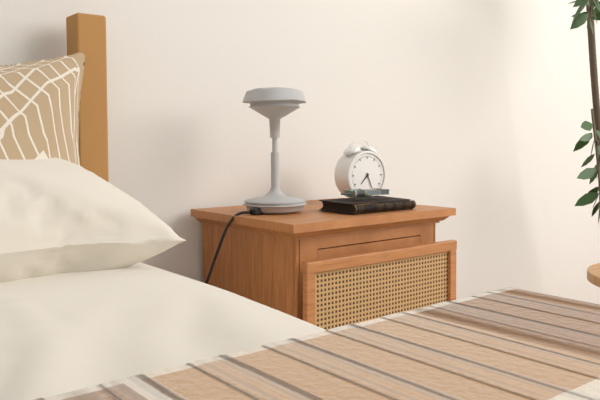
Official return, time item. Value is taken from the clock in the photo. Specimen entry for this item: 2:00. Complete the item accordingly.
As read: 7:26
